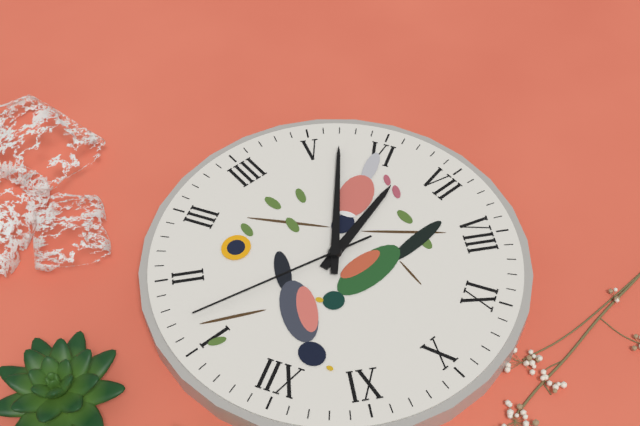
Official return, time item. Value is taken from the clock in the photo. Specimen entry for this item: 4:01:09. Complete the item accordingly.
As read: 6:27:07
